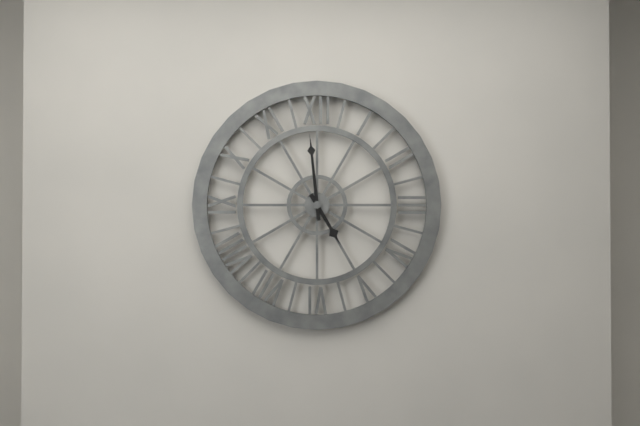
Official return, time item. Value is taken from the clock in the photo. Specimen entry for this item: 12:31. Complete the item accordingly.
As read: 4:59
